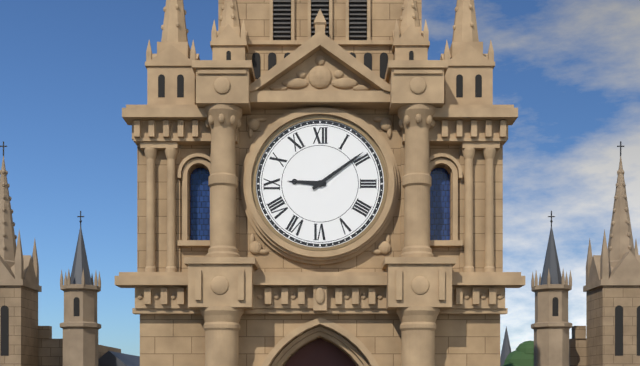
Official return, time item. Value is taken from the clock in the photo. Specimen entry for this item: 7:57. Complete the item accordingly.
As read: 9:09
